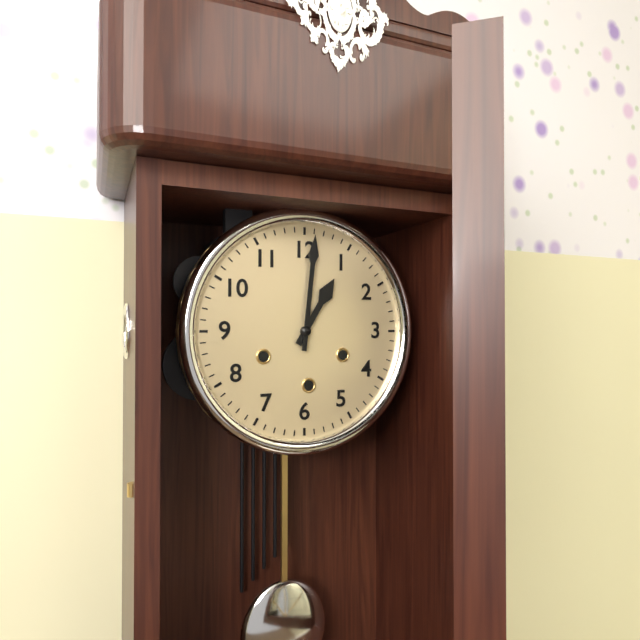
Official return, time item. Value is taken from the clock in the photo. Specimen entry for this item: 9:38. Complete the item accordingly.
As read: 1:01
